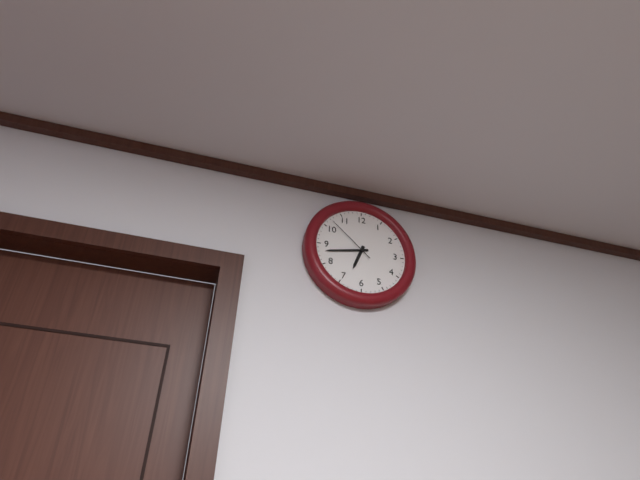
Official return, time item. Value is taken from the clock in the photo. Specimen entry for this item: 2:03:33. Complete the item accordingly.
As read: 6:43:52
